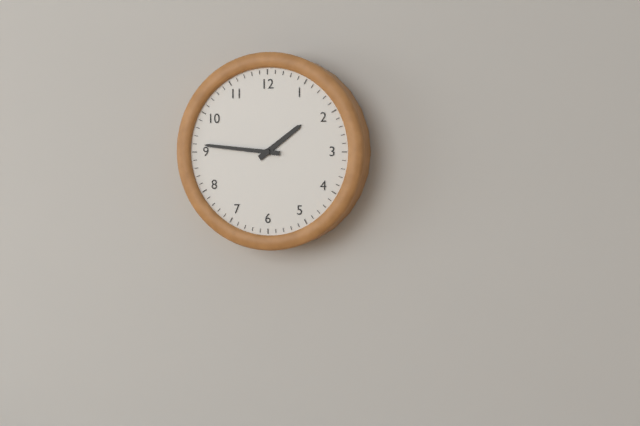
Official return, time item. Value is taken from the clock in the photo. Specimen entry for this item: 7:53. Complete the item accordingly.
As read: 1:46
